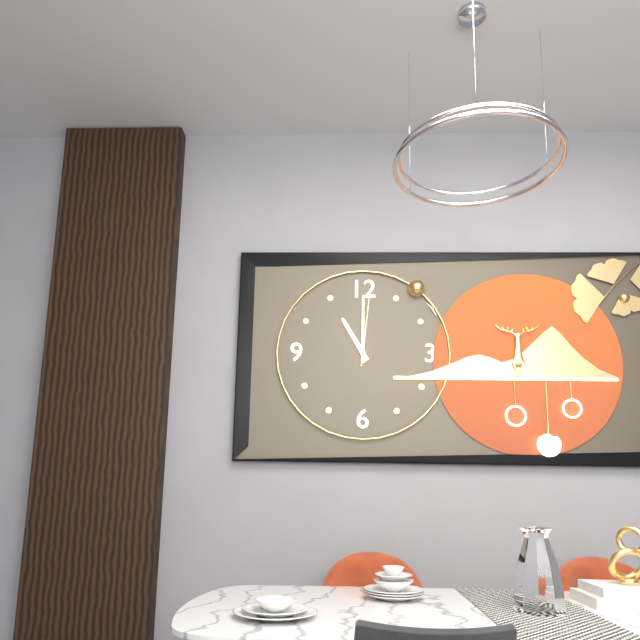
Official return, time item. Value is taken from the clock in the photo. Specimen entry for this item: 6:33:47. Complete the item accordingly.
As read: 11:00:01
